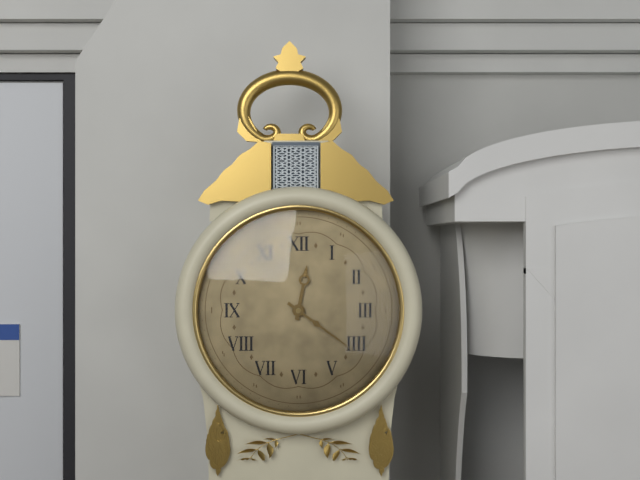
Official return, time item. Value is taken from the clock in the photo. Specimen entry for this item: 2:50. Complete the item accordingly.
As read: 12:21
